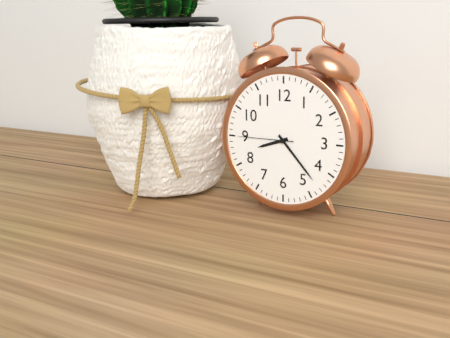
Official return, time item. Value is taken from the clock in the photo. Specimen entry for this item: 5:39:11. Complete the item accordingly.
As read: 8:23:45
